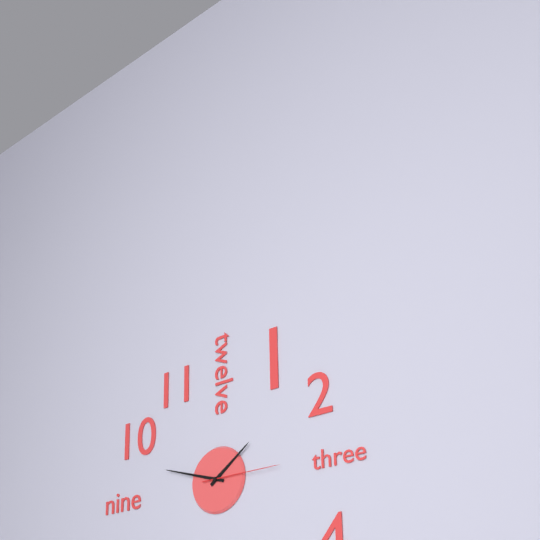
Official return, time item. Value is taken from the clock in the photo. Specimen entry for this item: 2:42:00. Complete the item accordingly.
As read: 1:48:15
